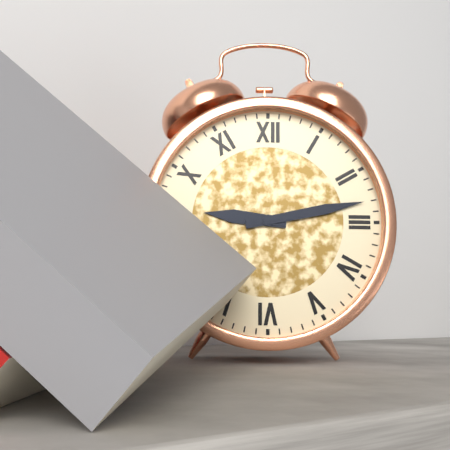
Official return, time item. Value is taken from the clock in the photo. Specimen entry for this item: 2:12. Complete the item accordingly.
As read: 9:13
